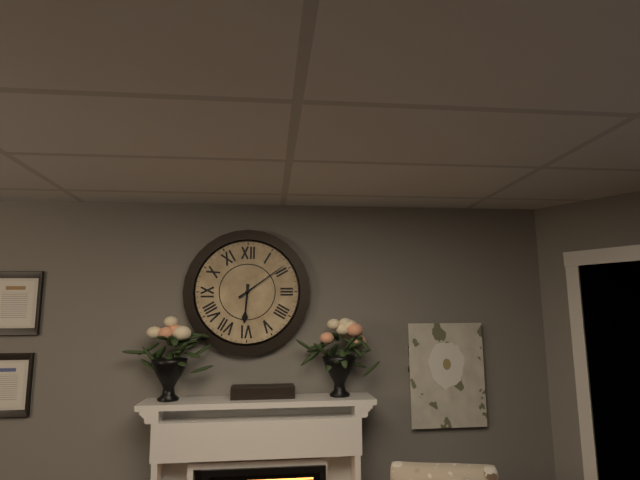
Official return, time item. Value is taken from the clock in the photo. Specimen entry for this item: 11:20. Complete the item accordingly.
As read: 6:09
